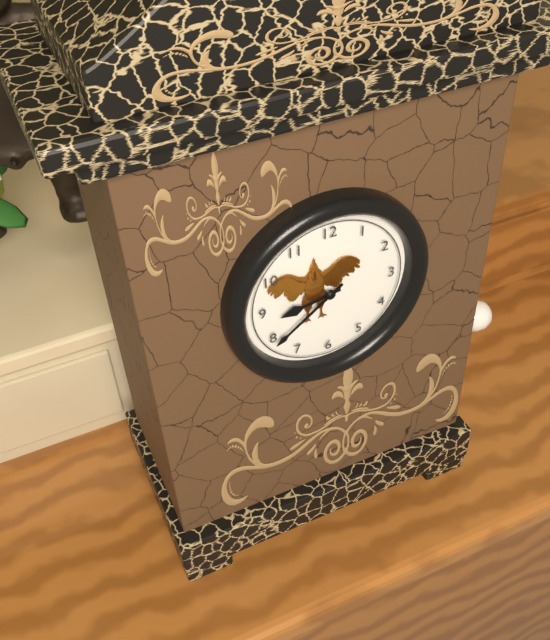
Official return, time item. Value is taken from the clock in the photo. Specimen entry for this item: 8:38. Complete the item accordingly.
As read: 8:39
